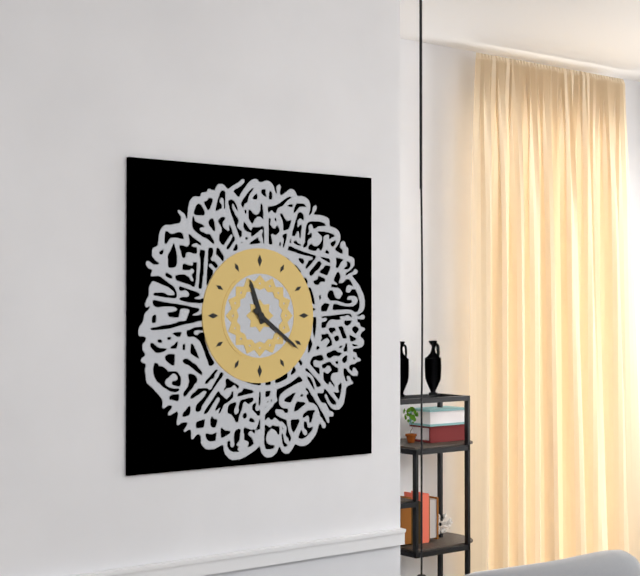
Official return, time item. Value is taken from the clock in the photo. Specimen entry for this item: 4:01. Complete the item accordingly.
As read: 11:21
